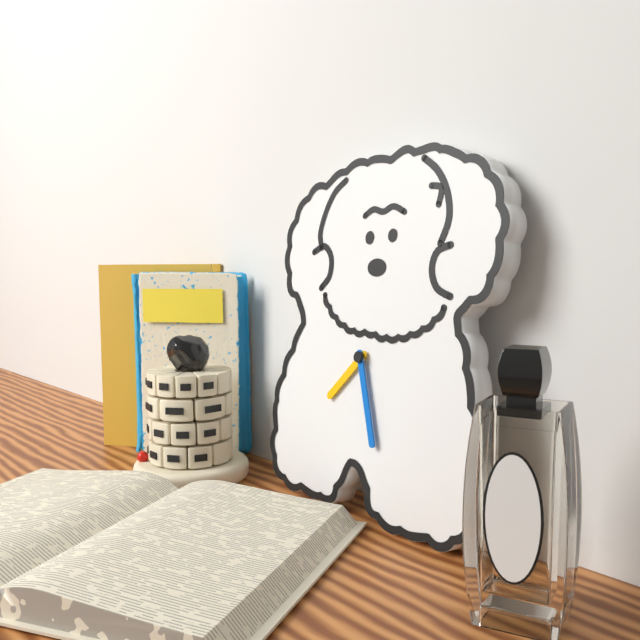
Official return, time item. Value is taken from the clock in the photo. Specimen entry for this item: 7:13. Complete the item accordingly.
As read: 7:27
